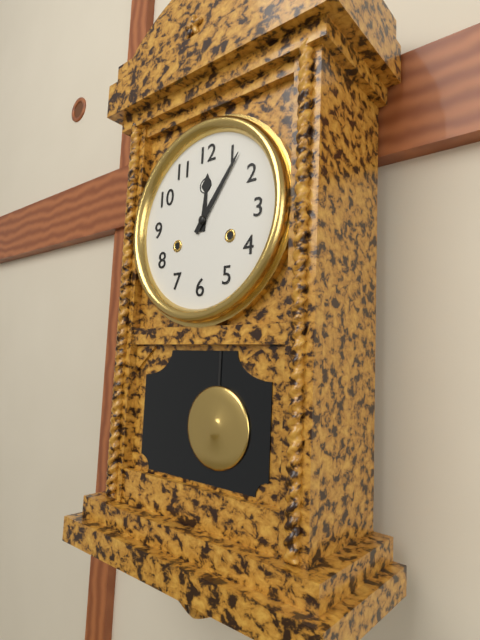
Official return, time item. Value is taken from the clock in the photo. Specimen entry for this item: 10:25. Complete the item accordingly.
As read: 12:06
